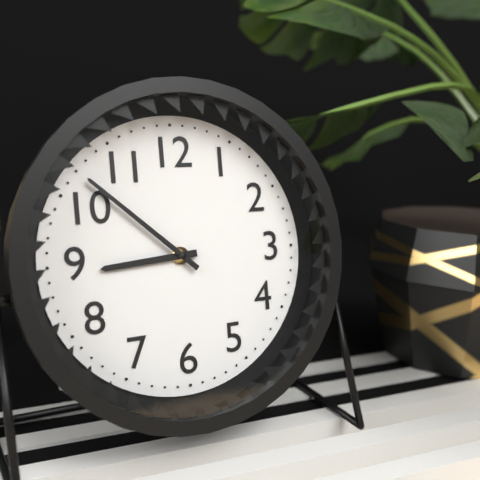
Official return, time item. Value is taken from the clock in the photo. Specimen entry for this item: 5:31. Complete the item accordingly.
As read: 8:52
